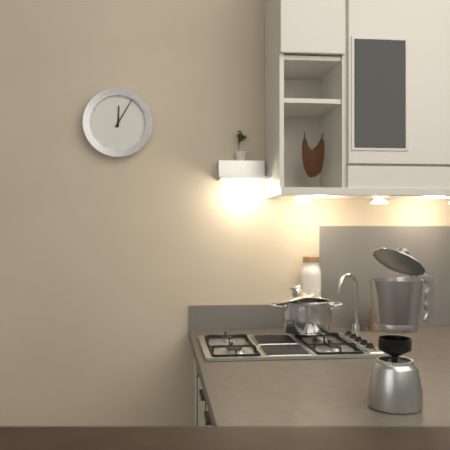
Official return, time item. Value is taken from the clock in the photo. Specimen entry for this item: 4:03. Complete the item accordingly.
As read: 12:05
